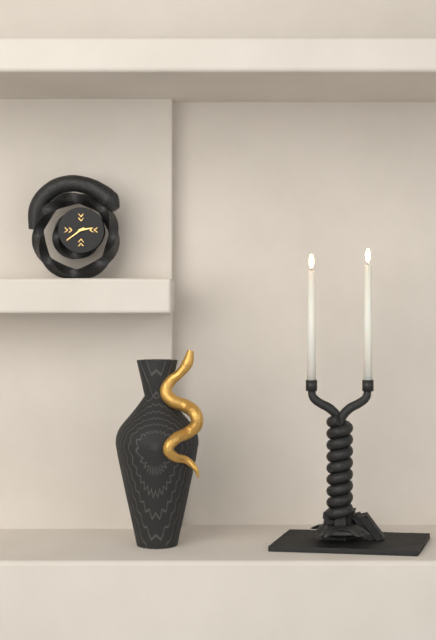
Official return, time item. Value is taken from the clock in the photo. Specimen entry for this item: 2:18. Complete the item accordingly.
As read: 2:39
